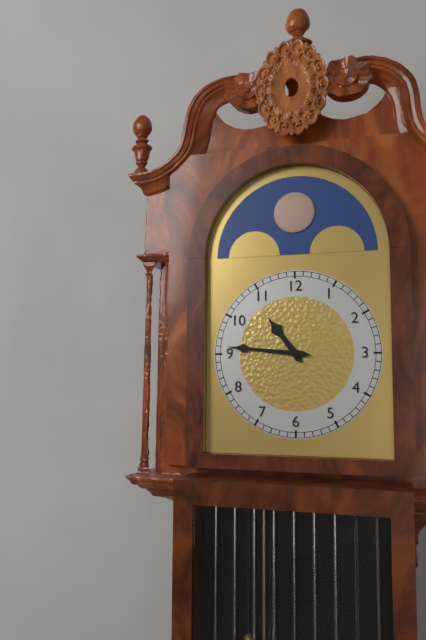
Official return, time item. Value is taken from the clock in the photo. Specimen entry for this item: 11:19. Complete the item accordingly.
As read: 10:46
